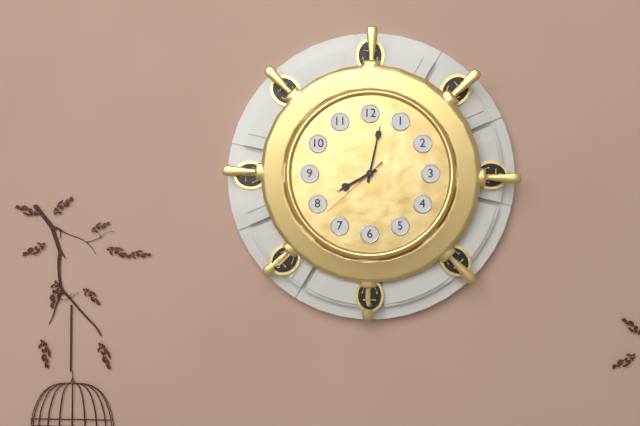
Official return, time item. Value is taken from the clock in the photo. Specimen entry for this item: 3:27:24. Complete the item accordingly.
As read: 8:02:38
